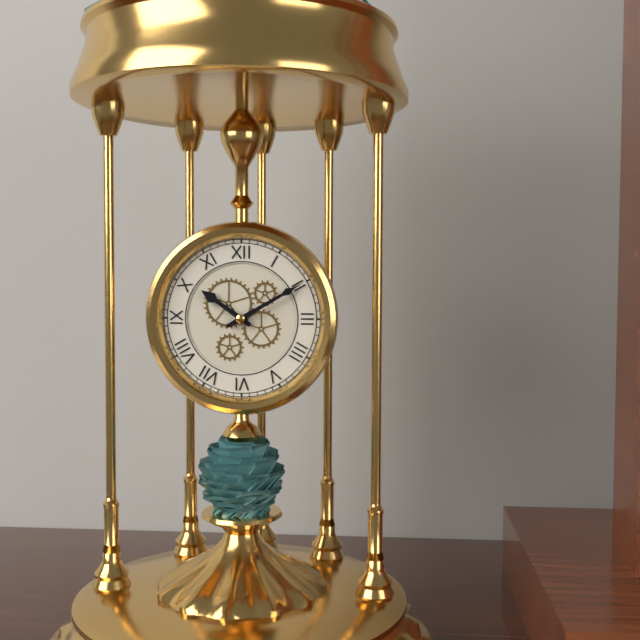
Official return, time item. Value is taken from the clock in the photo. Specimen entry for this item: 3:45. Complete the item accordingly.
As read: 10:10
